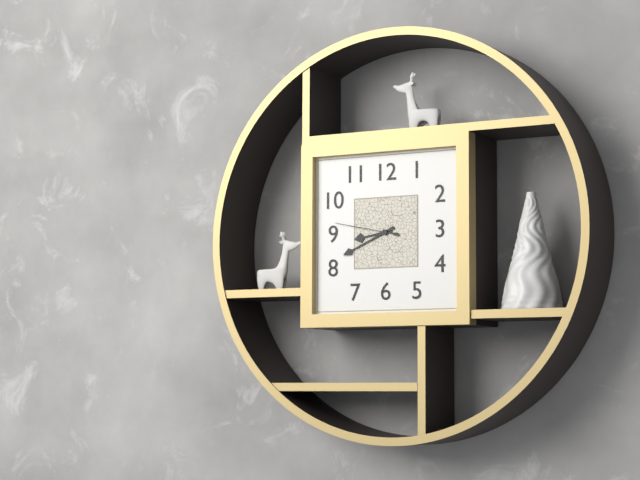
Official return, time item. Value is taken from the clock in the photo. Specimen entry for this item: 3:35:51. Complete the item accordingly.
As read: 8:41:47
